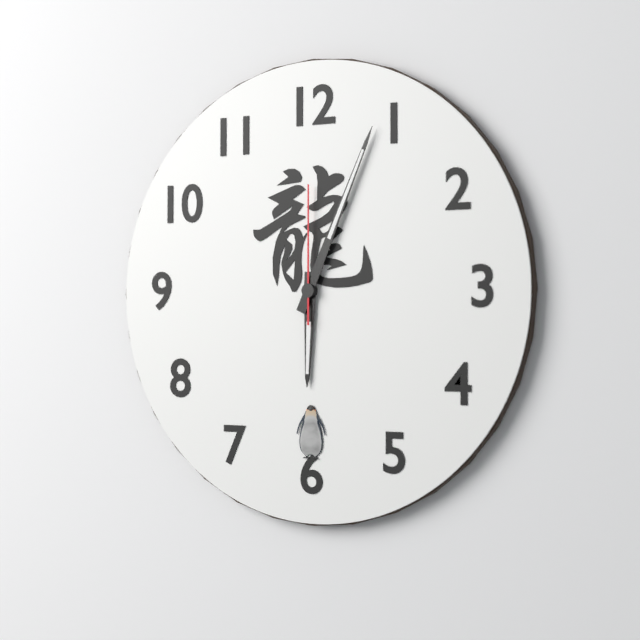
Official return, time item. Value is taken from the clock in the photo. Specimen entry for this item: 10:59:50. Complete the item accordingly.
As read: 6:04:00
